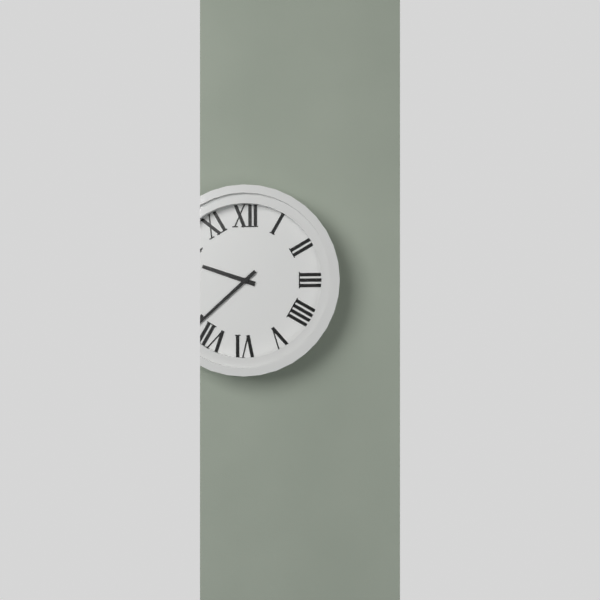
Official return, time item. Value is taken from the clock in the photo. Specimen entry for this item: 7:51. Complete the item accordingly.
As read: 9:38
